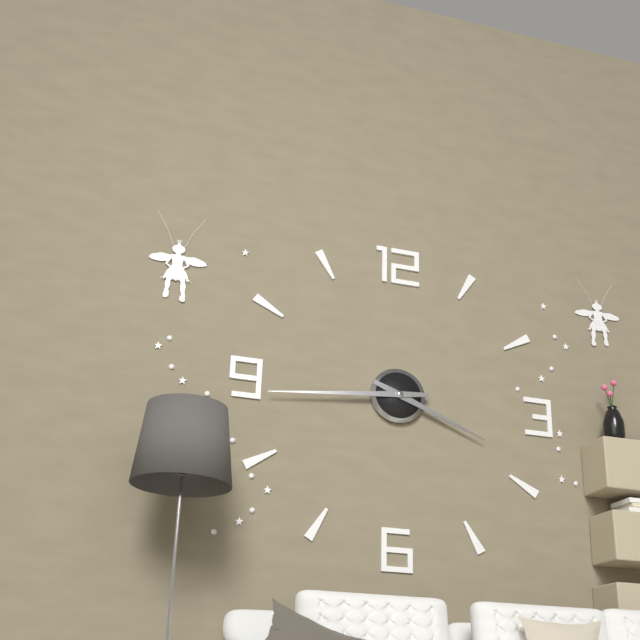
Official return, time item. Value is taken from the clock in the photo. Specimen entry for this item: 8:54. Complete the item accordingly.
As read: 3:44
